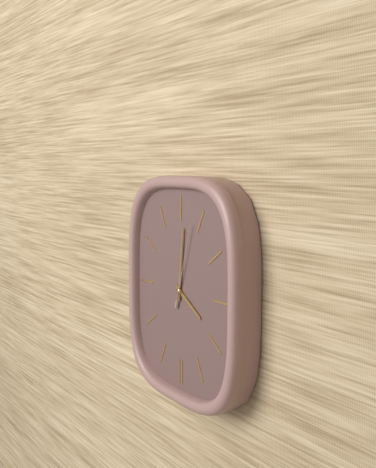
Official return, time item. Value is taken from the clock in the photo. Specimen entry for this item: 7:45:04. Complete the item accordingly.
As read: 4:01:03
